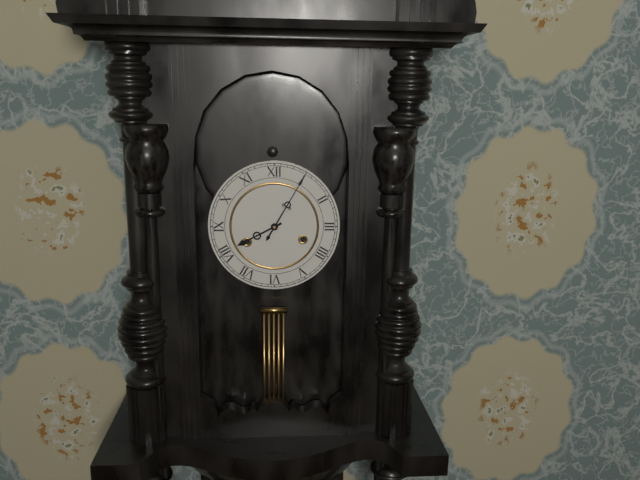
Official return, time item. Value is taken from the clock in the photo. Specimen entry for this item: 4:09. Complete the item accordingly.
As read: 8:05
